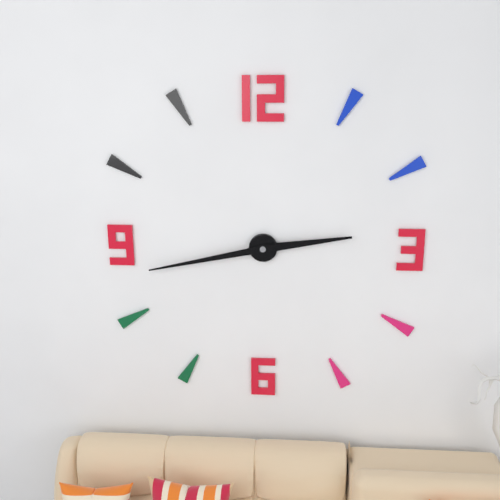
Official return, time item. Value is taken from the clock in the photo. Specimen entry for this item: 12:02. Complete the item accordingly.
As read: 2:43
